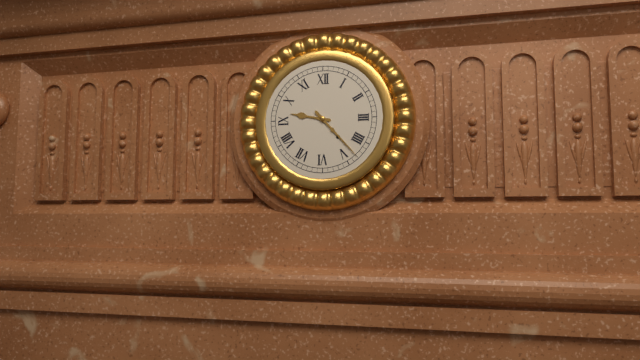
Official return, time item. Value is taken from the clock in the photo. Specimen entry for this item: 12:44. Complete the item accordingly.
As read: 9:23
